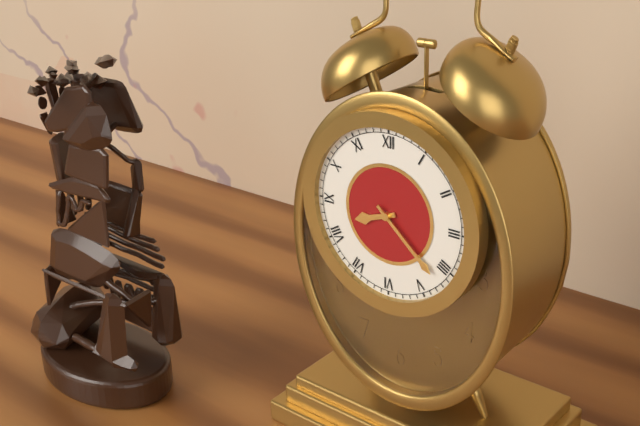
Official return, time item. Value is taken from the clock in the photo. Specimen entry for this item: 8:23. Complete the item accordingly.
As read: 8:22
